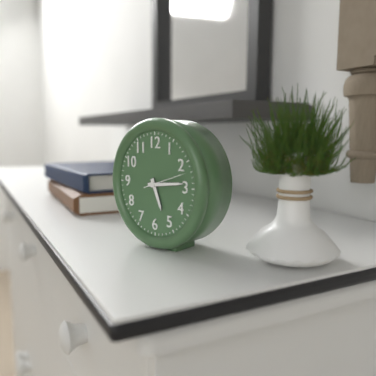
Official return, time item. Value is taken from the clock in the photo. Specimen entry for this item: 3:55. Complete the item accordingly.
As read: 5:14
